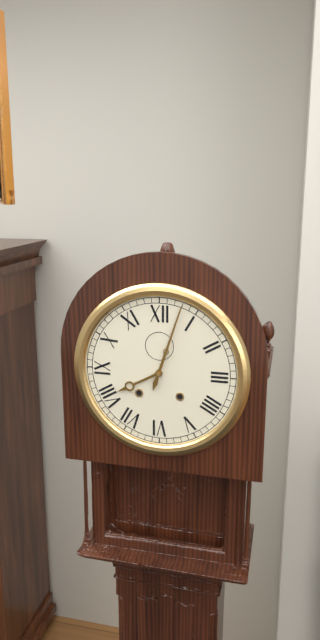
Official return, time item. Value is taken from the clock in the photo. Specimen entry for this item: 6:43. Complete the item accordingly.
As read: 8:03
